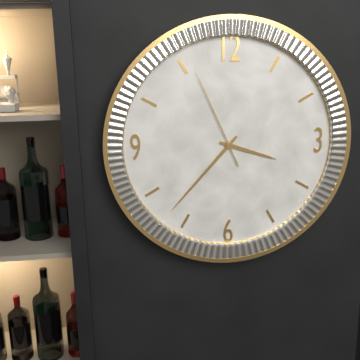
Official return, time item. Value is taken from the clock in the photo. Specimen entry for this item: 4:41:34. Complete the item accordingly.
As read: 3:37:56
